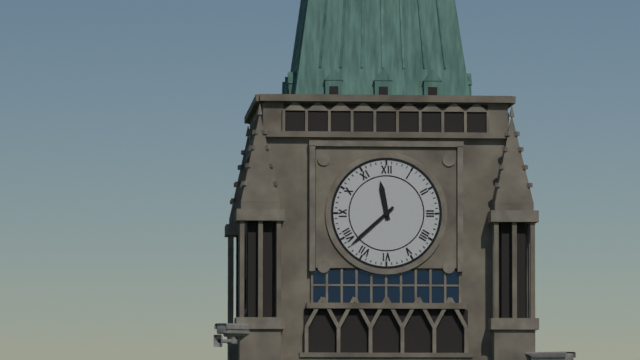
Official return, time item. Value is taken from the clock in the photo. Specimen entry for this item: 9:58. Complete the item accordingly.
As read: 11:38
